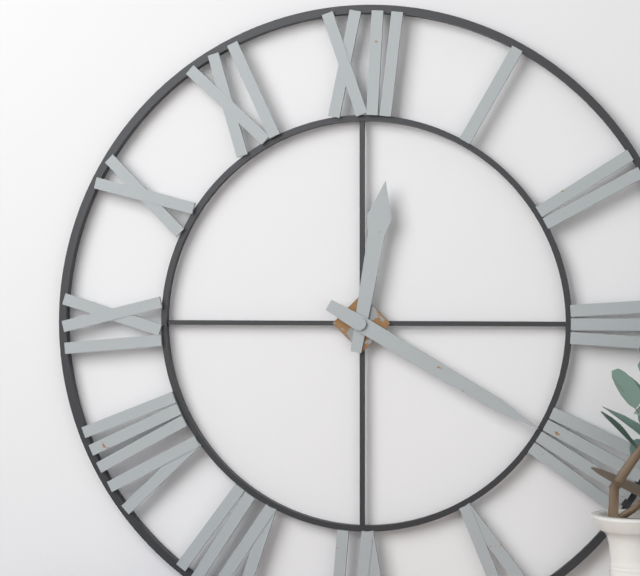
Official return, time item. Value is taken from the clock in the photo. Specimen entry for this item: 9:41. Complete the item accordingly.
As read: 12:20
